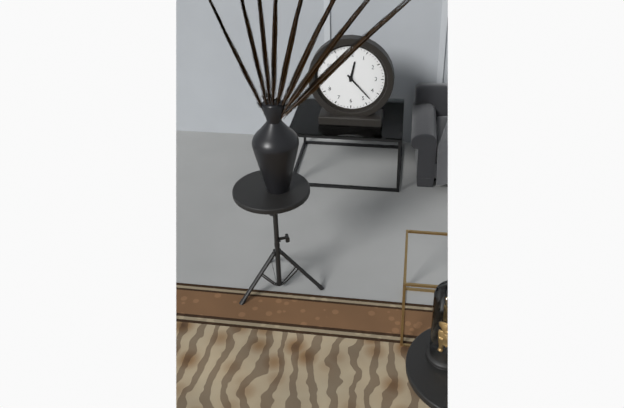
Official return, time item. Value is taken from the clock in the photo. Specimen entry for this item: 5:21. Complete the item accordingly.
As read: 12:23
